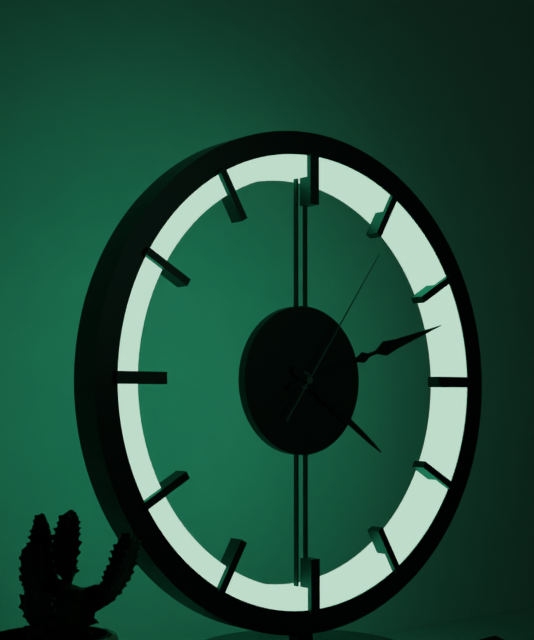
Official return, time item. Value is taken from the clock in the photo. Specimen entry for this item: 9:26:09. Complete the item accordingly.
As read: 4:12:06
